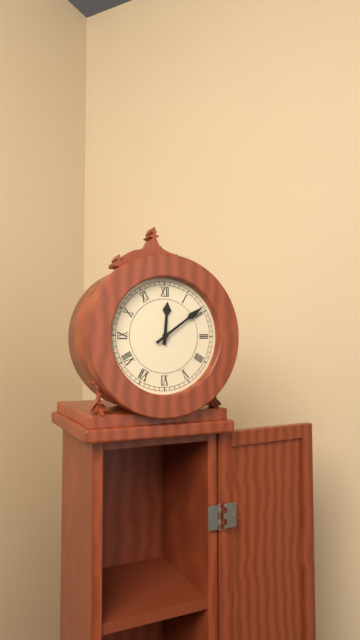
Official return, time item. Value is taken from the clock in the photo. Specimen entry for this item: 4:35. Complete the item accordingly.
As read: 12:09
